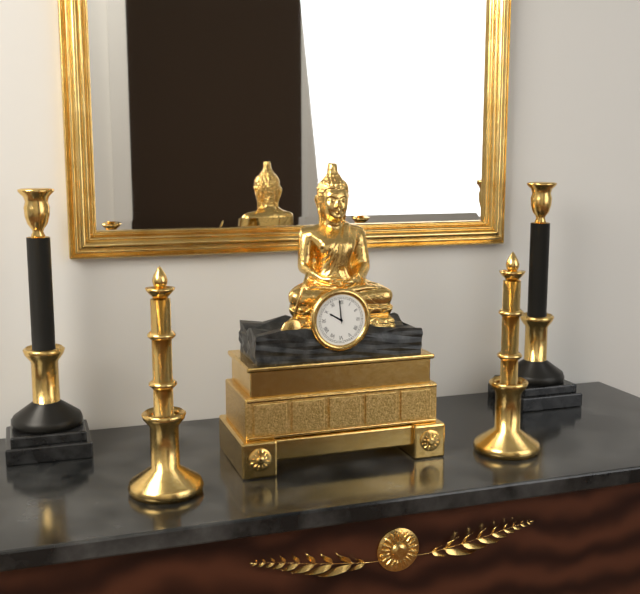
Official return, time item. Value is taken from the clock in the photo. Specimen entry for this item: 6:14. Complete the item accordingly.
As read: 9:59
